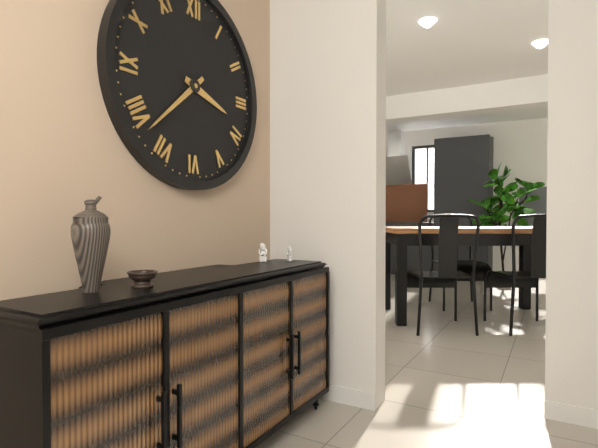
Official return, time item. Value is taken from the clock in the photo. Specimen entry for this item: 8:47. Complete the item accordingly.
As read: 3:38
